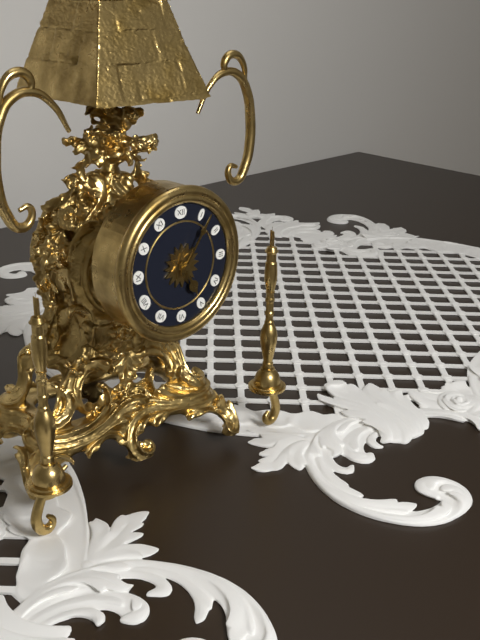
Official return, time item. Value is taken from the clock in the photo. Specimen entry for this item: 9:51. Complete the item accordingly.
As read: 5:06
